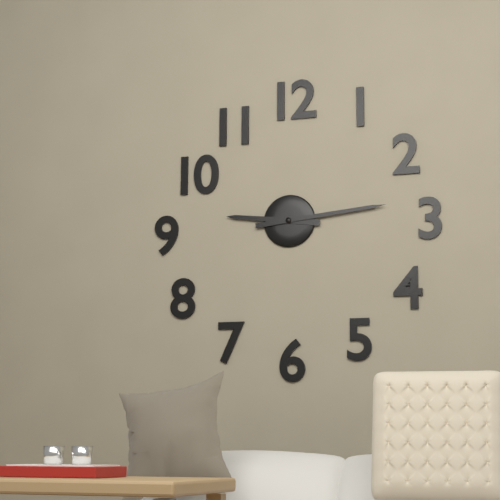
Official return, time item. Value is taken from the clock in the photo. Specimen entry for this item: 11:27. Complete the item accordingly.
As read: 9:14
